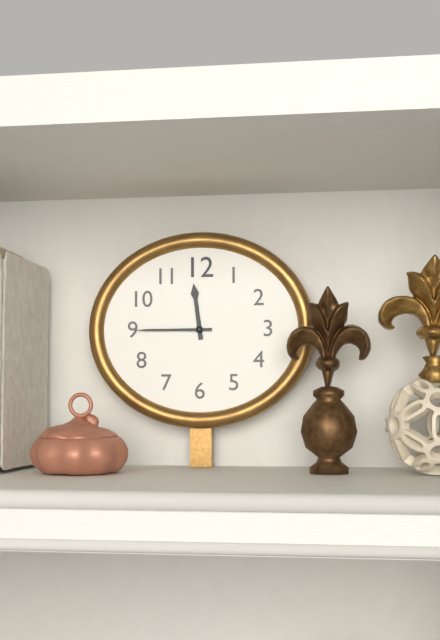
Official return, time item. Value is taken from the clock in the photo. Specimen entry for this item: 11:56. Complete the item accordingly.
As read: 11:45
